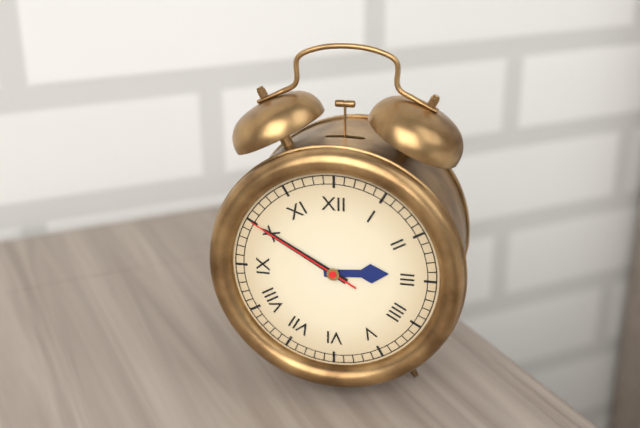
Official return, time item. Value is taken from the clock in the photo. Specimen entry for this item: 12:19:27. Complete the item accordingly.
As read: 2:50:50
